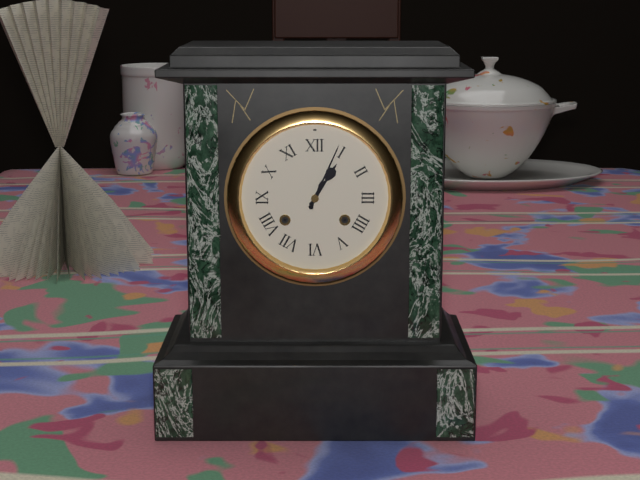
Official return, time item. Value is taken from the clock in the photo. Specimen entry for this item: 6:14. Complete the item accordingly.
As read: 1:04
